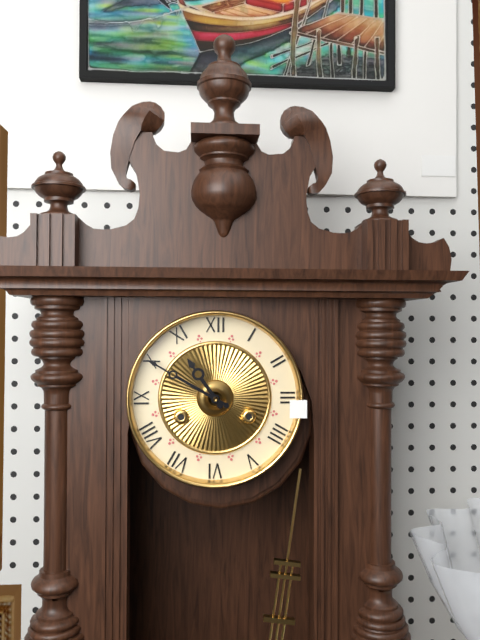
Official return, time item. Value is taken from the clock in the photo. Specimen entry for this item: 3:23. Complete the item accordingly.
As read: 10:50
